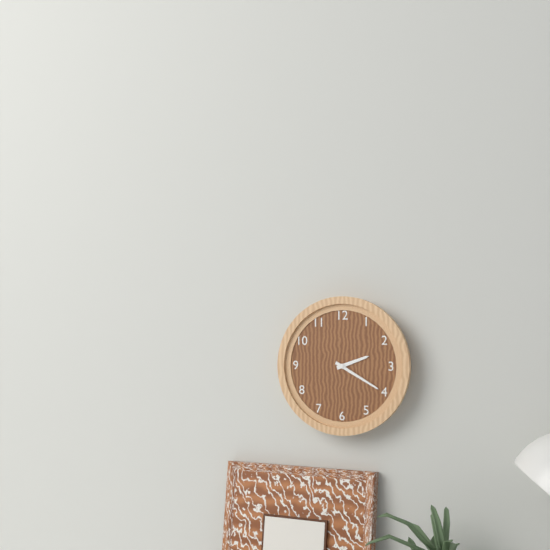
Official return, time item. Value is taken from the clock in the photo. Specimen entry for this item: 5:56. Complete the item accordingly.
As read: 2:20
